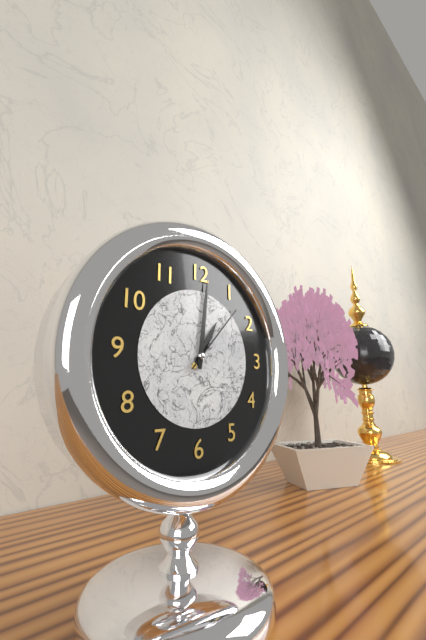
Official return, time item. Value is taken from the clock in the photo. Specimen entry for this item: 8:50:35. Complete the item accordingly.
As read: 1:01:07
